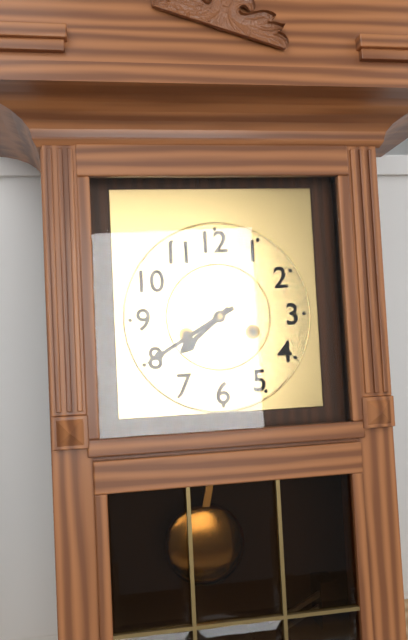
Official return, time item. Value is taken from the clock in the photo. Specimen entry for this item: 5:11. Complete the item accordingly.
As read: 7:40
